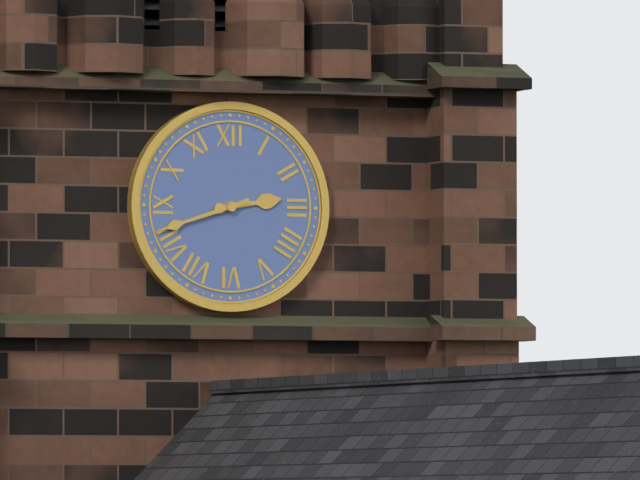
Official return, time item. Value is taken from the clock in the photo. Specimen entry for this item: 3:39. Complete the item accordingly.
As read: 2:42
